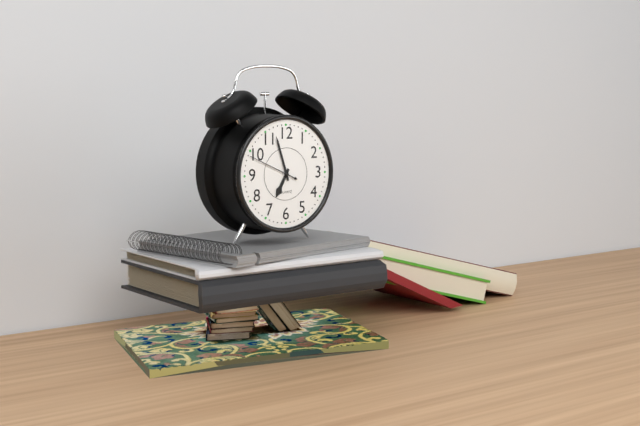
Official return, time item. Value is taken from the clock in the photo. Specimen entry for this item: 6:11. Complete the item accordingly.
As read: 6:57
